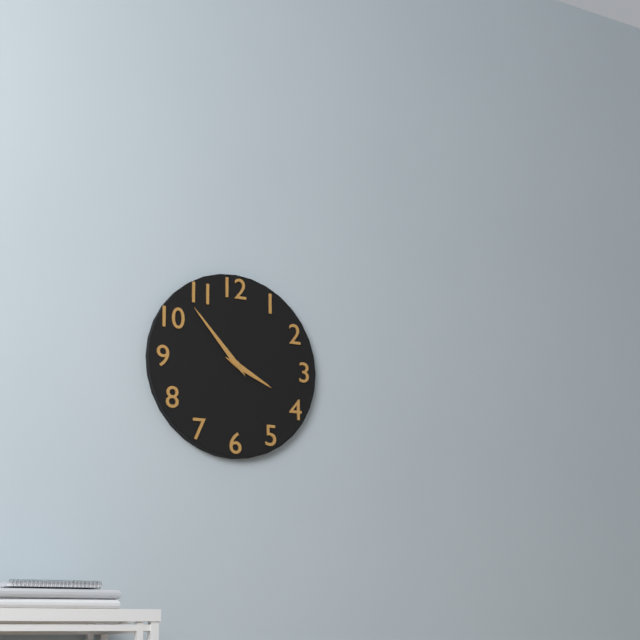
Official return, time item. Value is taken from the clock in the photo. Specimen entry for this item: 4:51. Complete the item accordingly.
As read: 3:53
